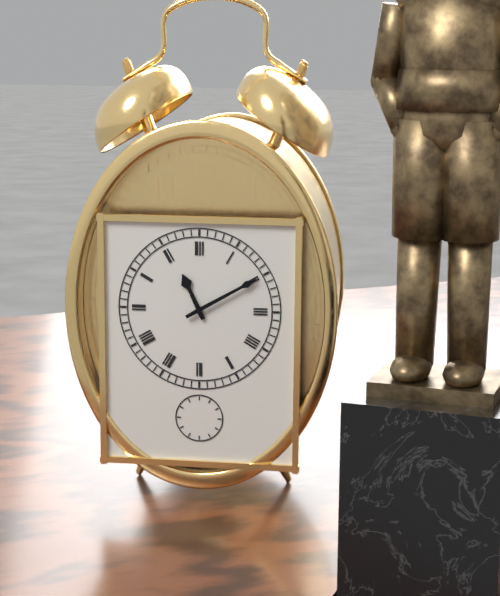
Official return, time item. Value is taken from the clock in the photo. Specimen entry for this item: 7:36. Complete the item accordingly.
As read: 11:10
